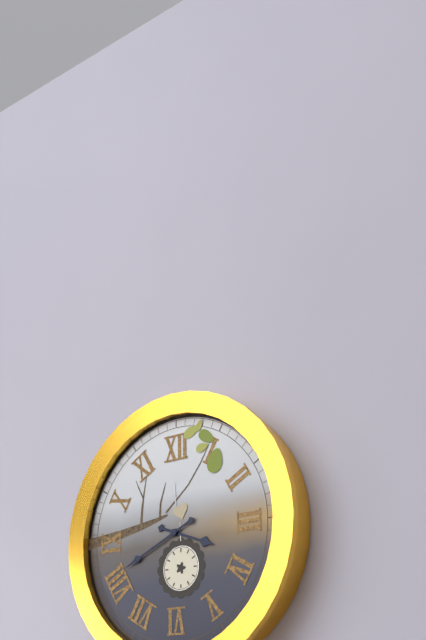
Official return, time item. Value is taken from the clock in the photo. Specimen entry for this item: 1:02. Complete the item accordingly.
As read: 3:41
